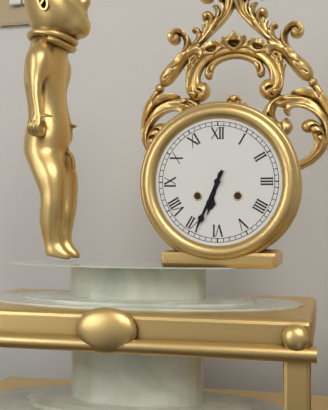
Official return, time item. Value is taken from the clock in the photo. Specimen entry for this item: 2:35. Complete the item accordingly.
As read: 6:34
